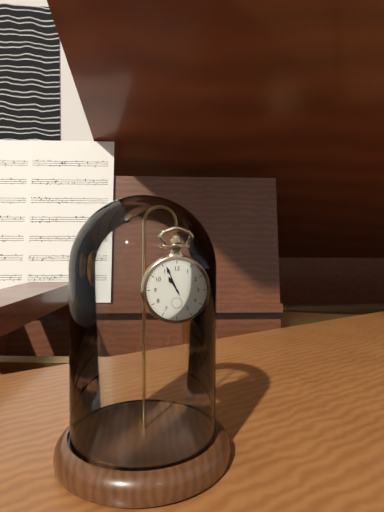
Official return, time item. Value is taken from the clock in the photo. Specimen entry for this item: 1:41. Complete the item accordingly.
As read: 10:56
